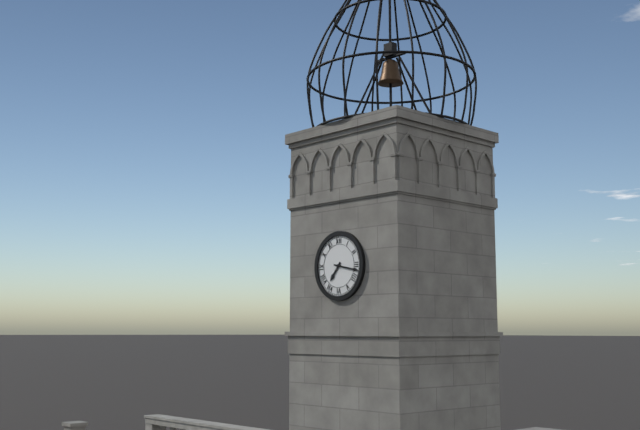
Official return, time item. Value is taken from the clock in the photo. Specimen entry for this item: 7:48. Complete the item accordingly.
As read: 7:17
